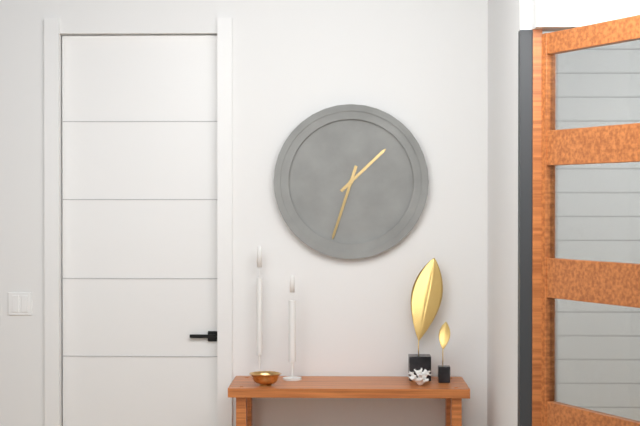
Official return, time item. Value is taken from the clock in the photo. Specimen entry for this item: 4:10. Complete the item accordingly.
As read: 1:33
